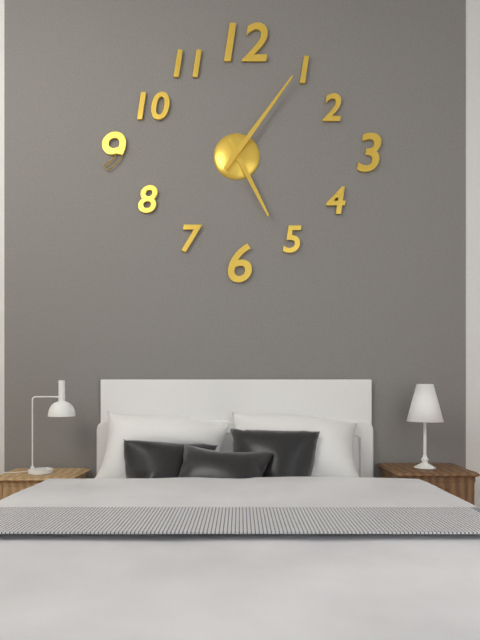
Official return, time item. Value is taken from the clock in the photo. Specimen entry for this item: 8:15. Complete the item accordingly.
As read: 5:06
